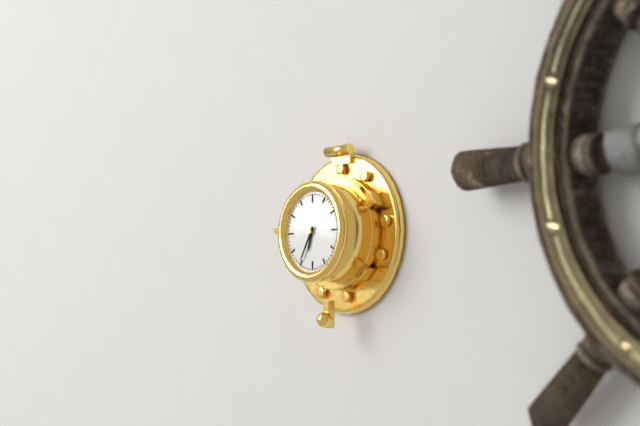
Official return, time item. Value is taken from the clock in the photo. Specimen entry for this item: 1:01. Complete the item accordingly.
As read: 6:35
